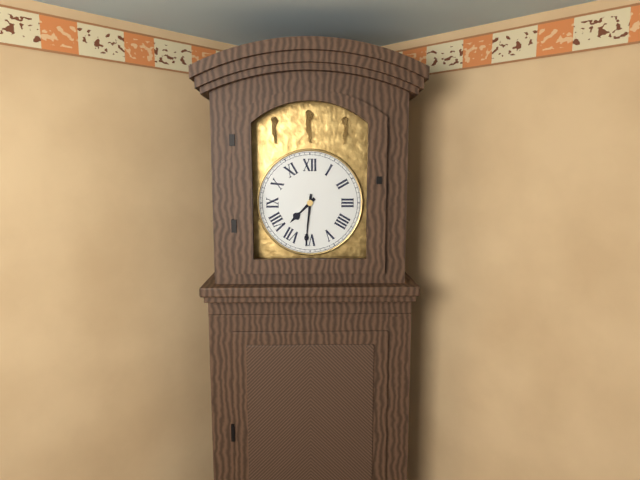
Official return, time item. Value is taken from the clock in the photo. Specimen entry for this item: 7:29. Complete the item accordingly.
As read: 7:31
